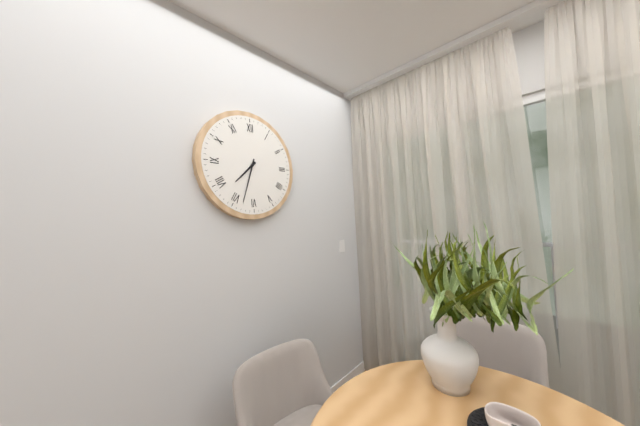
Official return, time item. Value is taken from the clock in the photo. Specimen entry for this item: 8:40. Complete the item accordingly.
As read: 7:33
